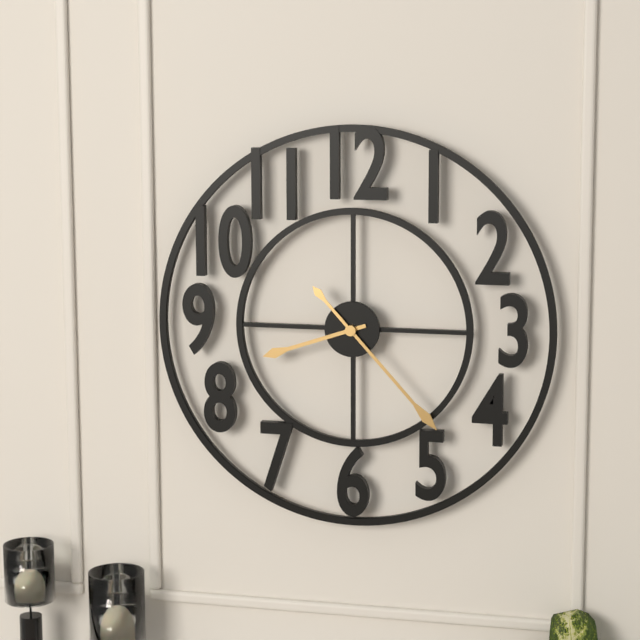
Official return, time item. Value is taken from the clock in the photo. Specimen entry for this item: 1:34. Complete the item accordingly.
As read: 8:23
